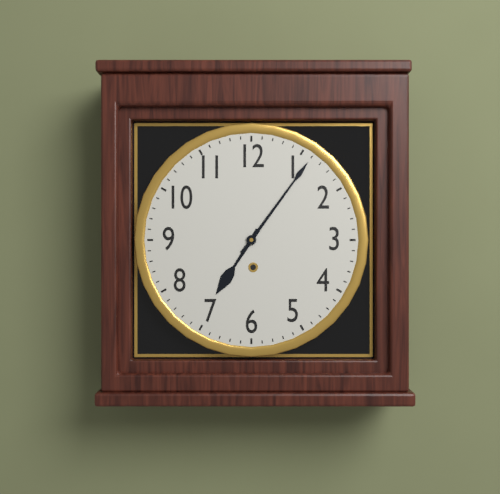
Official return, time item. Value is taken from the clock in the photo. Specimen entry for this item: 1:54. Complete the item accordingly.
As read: 7:06
